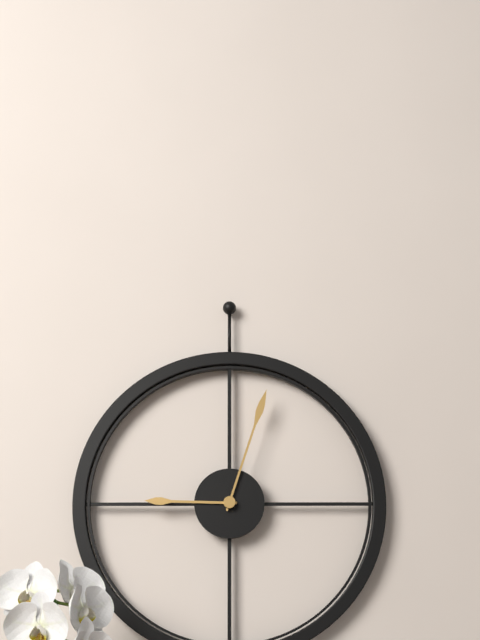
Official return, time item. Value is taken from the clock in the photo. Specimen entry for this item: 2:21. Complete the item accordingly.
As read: 9:03
